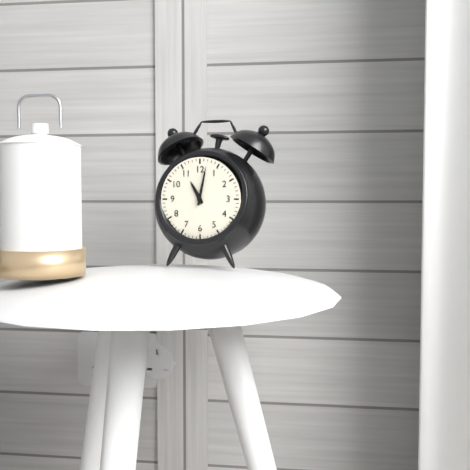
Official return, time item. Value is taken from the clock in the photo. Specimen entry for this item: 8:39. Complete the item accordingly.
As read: 11:02
